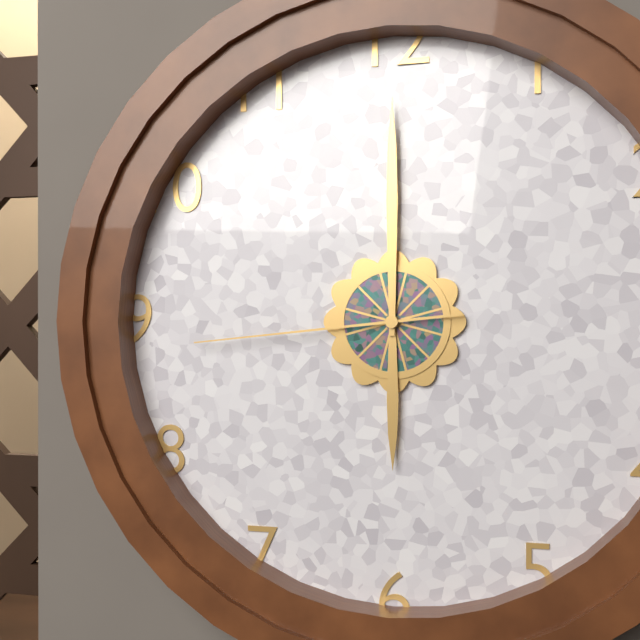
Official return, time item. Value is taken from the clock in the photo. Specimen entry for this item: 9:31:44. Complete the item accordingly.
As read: 6:00:44
